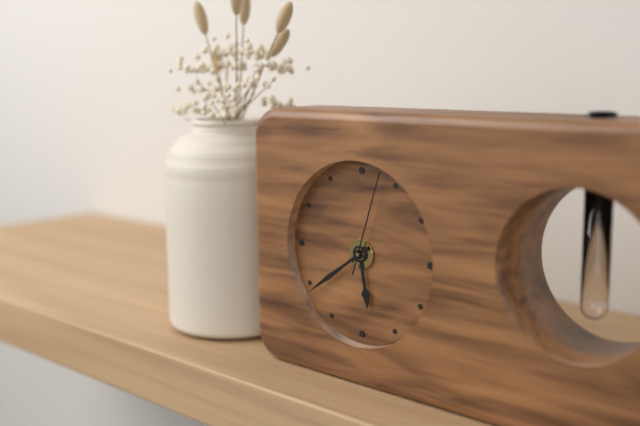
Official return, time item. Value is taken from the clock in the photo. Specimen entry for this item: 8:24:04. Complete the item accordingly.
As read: 5:39:03
